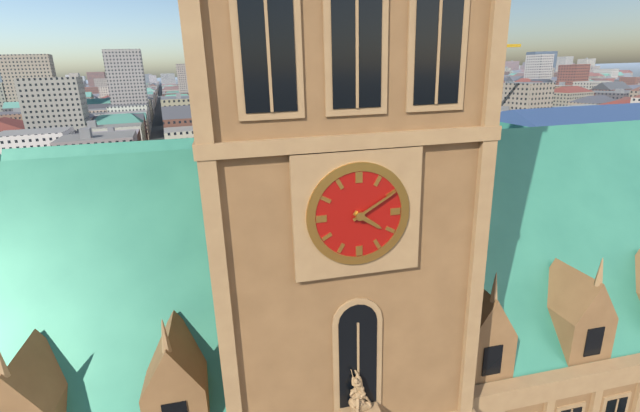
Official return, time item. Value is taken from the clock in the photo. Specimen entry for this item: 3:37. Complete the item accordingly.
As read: 4:10
